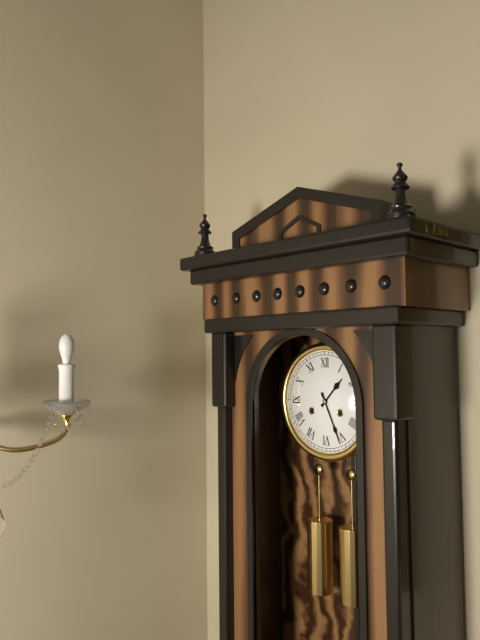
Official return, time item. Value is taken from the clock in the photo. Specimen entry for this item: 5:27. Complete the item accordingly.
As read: 1:26
